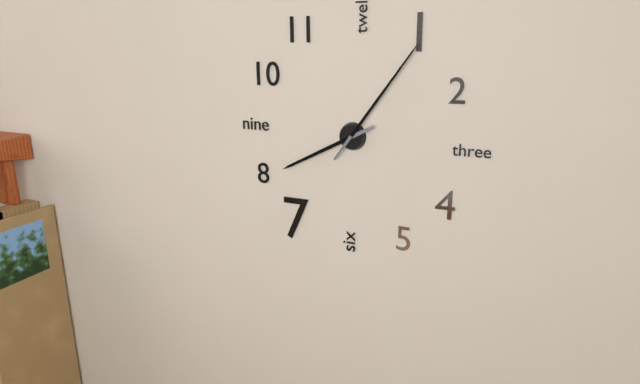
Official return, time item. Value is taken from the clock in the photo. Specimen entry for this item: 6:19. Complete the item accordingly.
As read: 8:06
